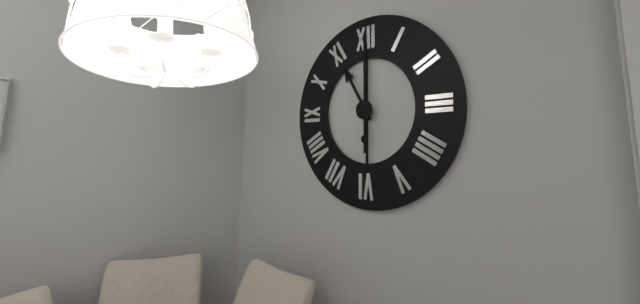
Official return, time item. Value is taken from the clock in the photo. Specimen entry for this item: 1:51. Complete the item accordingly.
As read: 11:00
